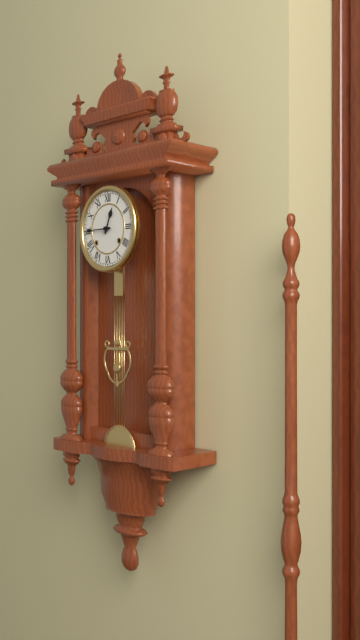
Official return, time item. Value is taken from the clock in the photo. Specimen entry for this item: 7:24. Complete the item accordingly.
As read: 12:45
